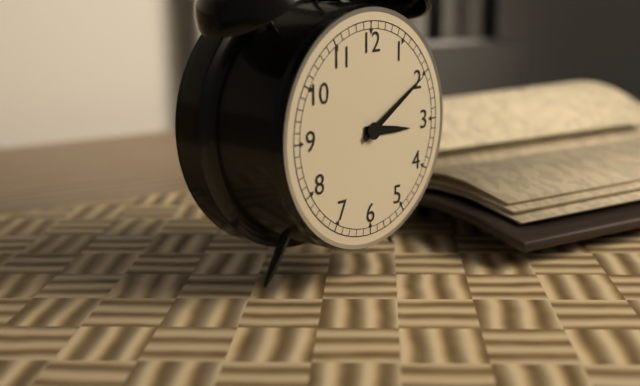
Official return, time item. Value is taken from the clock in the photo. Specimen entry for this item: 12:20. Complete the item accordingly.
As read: 3:10
